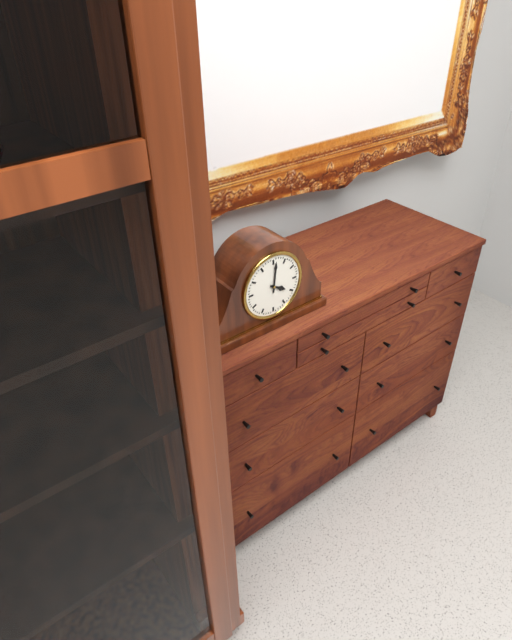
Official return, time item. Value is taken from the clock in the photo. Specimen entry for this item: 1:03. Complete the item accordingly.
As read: 4:01
